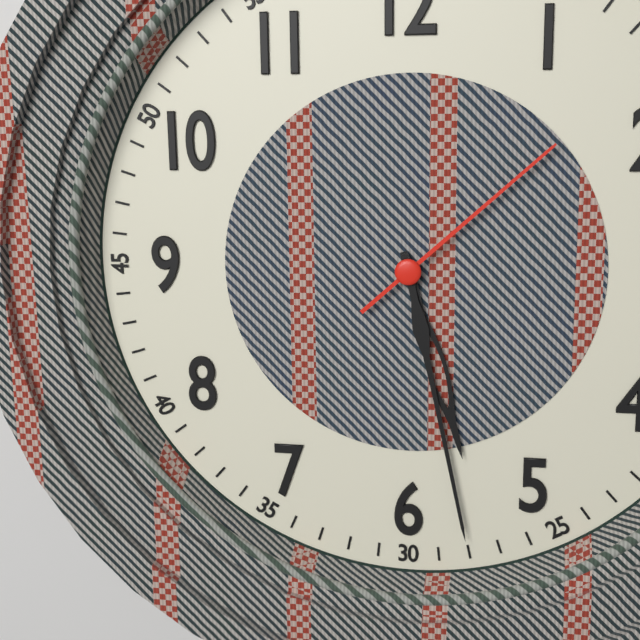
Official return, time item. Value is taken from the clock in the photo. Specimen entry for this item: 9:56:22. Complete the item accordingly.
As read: 5:28:08
